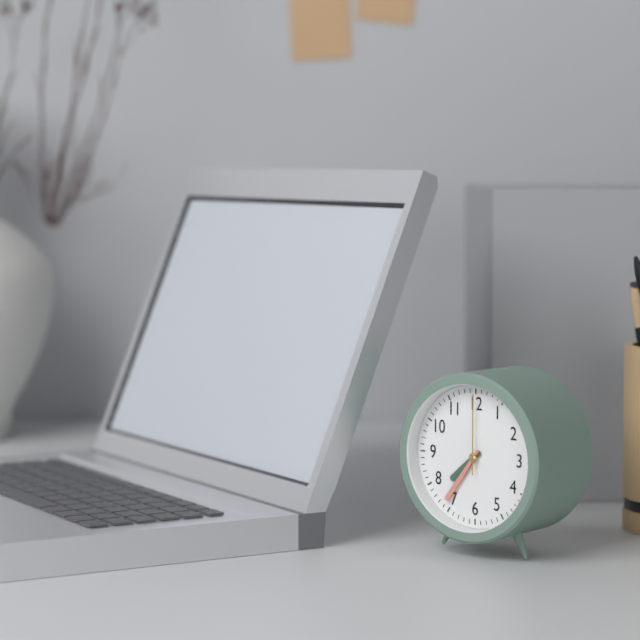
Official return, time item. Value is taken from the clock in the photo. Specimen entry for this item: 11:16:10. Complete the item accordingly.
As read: 7:36:00
